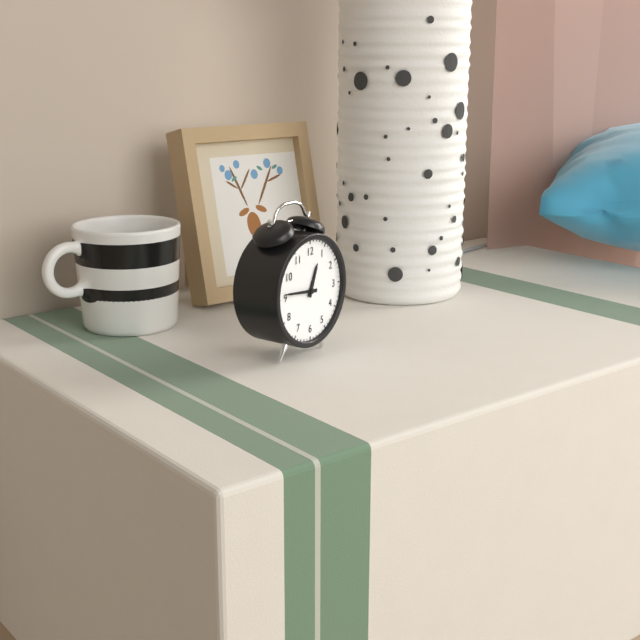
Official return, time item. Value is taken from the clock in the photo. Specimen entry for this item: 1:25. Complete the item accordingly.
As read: 12:46
